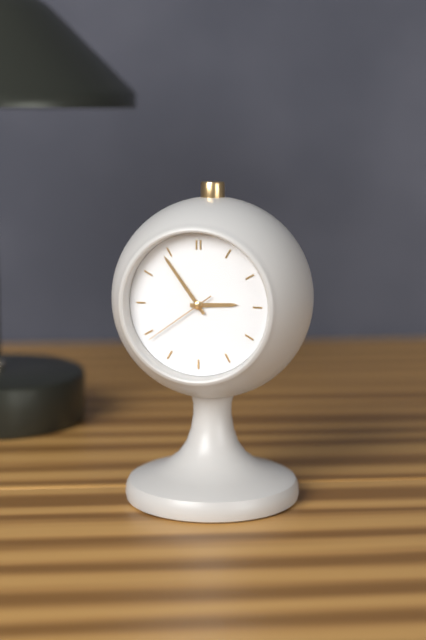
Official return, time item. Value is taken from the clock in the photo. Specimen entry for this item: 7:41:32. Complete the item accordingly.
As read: 2:54:39
